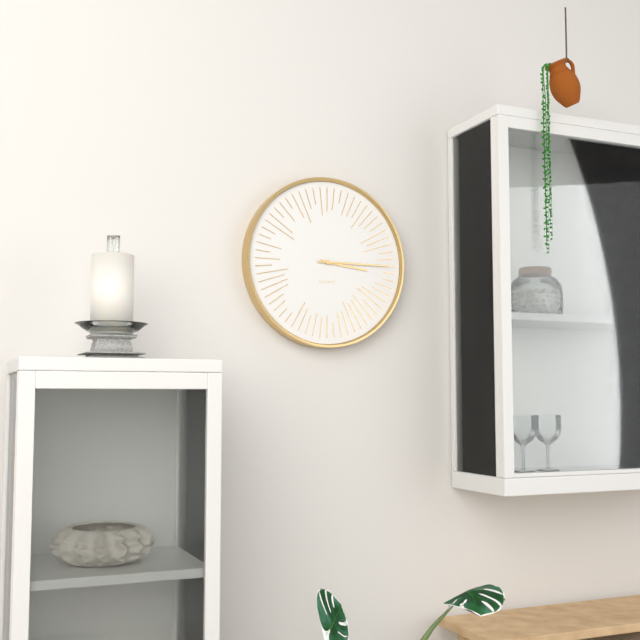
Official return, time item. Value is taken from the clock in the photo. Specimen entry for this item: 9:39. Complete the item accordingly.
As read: 3:15
